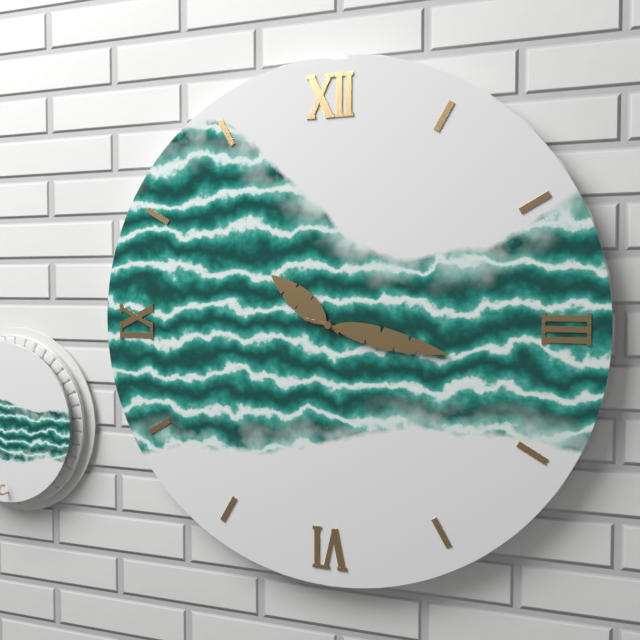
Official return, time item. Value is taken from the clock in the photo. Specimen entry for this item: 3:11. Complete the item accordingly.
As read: 10:17
